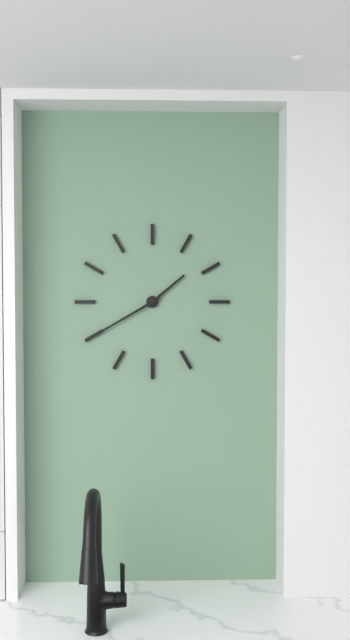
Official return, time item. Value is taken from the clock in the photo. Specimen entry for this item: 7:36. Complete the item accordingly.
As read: 1:40
